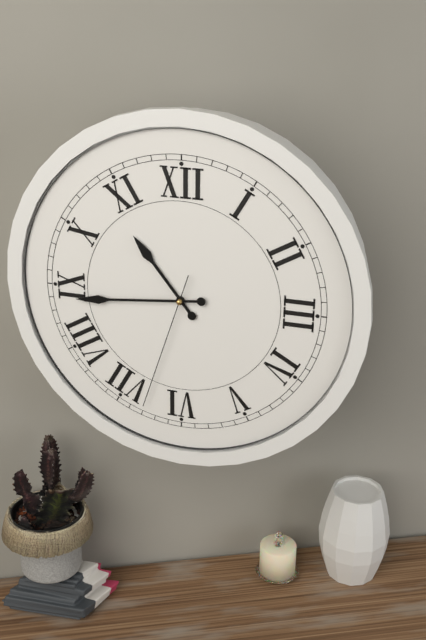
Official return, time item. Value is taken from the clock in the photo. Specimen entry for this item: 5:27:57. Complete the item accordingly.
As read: 10:44:33
